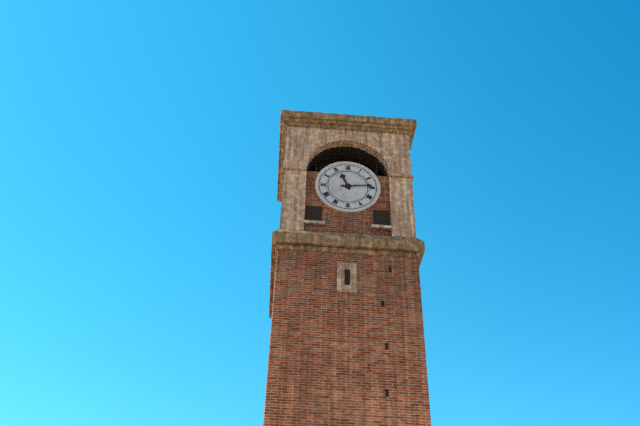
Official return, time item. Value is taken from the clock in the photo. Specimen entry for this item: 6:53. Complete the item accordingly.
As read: 11:14
